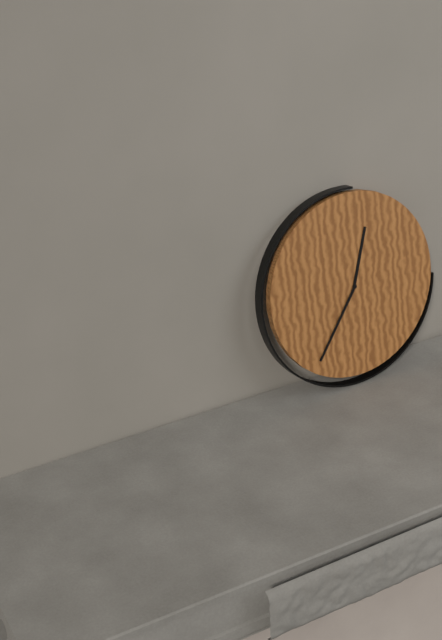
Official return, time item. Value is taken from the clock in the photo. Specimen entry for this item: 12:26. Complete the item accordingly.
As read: 12:36
